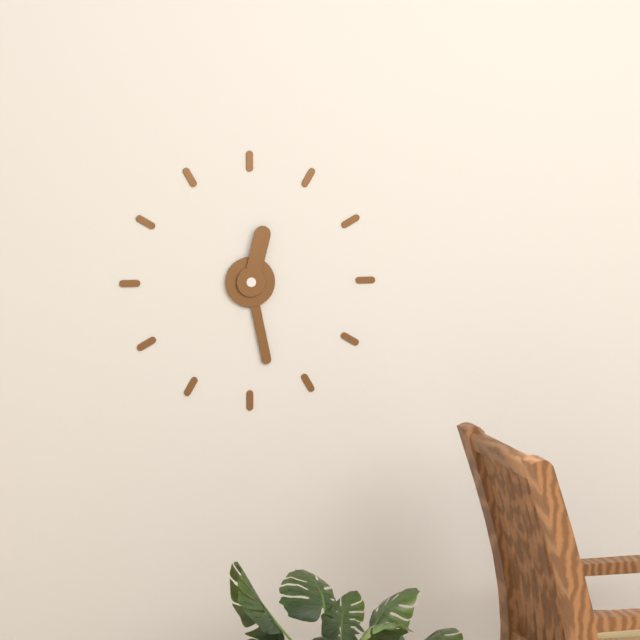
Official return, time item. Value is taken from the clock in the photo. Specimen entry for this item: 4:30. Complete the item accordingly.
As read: 12:28
